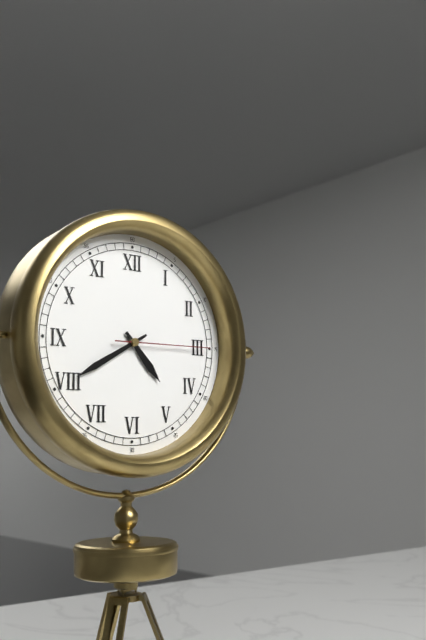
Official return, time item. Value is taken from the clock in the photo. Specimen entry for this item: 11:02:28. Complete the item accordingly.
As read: 4:40:15
